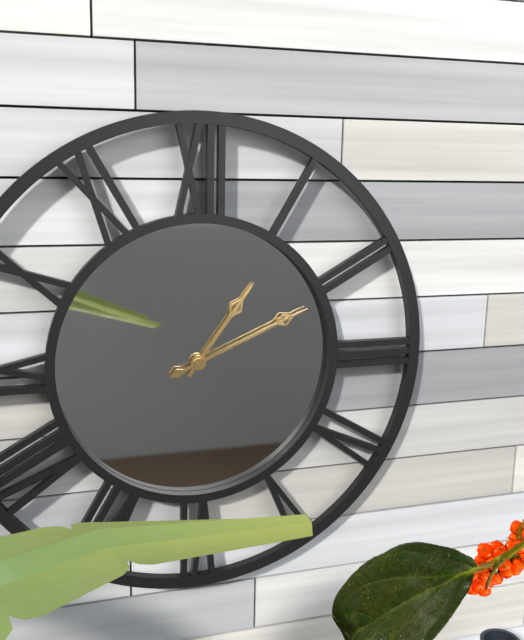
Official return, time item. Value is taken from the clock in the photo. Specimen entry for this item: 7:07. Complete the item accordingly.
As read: 1:11
